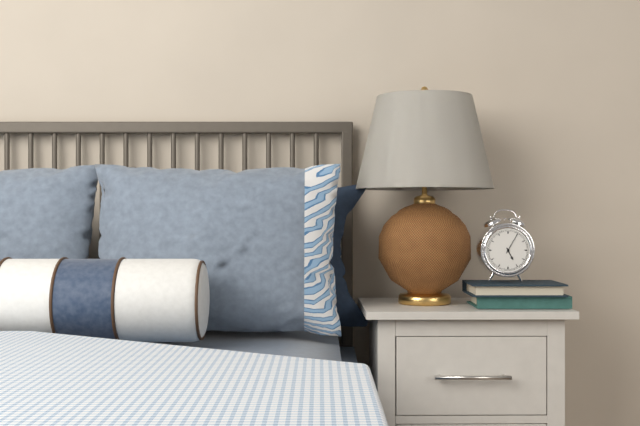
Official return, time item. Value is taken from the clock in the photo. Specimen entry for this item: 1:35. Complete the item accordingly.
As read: 5:05
